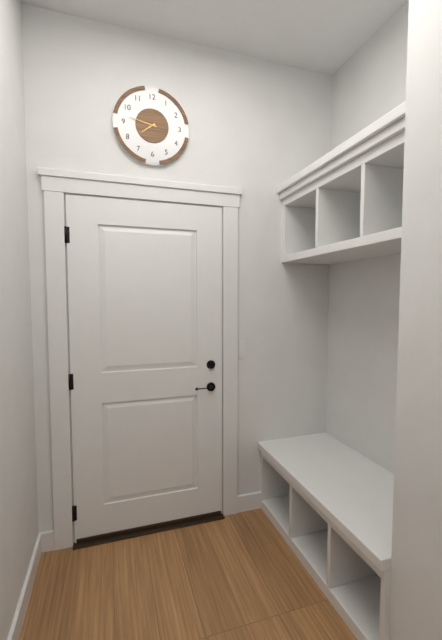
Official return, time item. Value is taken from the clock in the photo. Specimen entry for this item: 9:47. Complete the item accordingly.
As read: 7:47
